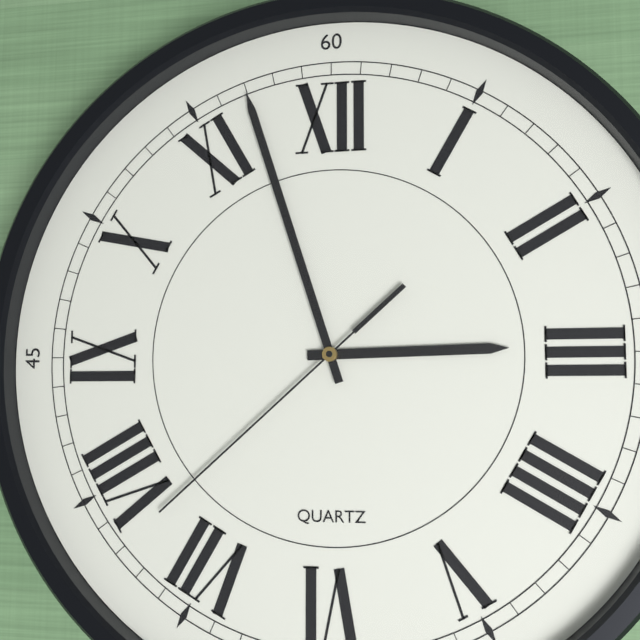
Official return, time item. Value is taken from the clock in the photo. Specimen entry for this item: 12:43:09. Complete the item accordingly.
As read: 2:57:38
